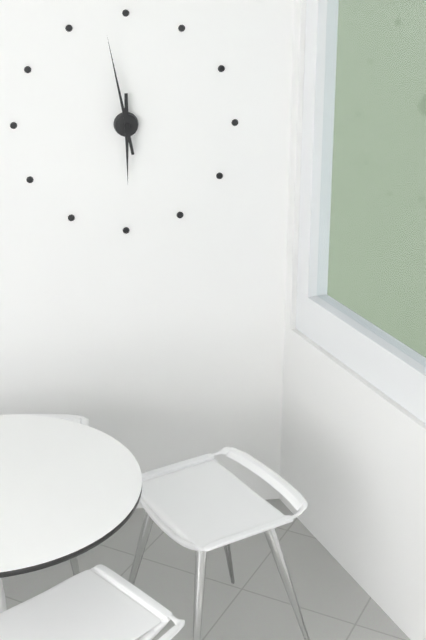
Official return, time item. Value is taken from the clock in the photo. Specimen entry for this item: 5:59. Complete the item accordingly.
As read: 5:58
